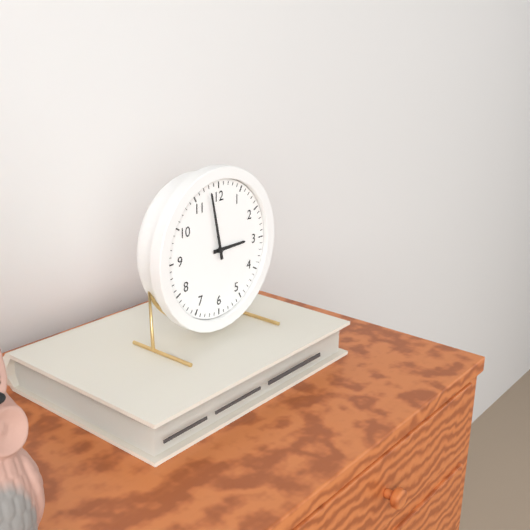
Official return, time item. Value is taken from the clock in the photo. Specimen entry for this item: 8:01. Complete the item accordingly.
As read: 2:58
